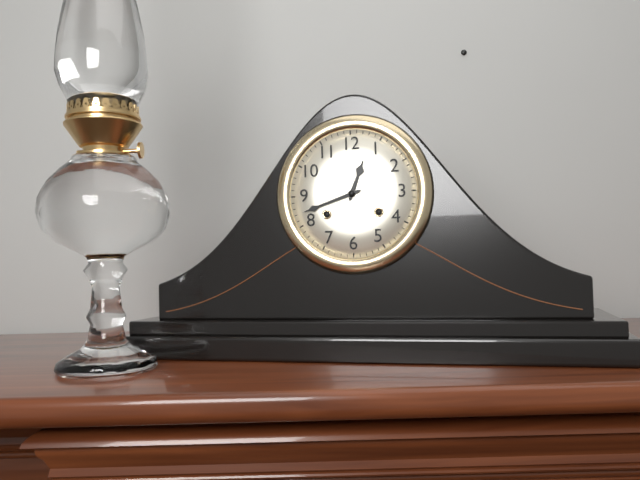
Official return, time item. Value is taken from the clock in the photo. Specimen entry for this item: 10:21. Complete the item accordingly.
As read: 12:42
